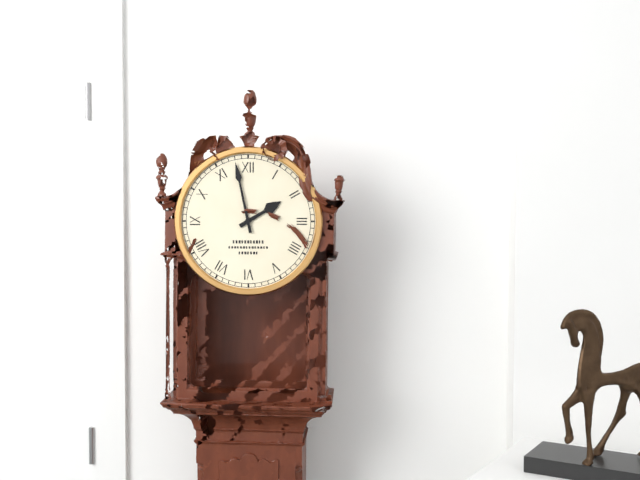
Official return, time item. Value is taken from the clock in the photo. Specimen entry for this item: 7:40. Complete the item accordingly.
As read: 1:58
